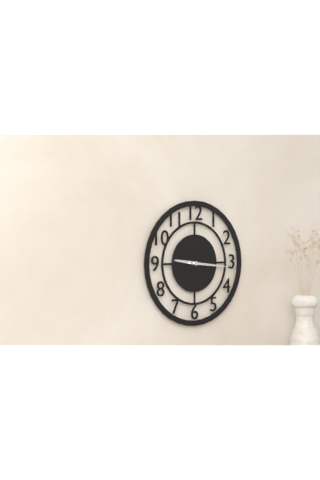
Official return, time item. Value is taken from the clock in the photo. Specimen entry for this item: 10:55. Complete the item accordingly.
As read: 9:16
